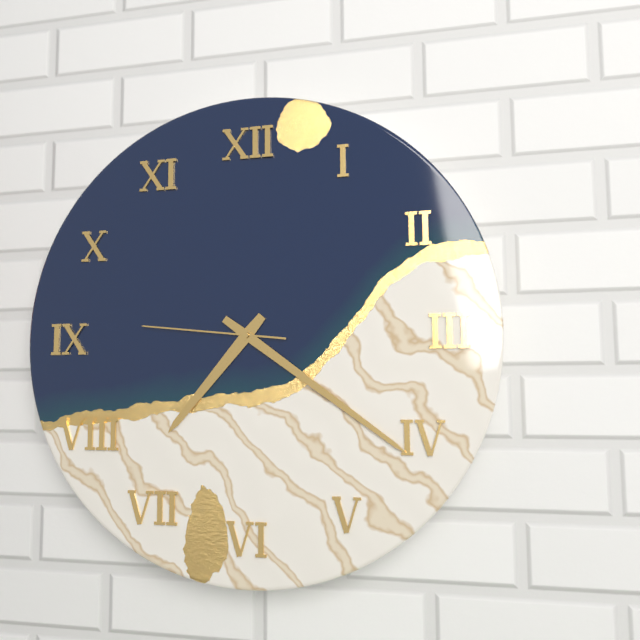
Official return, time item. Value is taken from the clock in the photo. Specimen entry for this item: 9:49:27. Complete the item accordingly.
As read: 7:21:46
